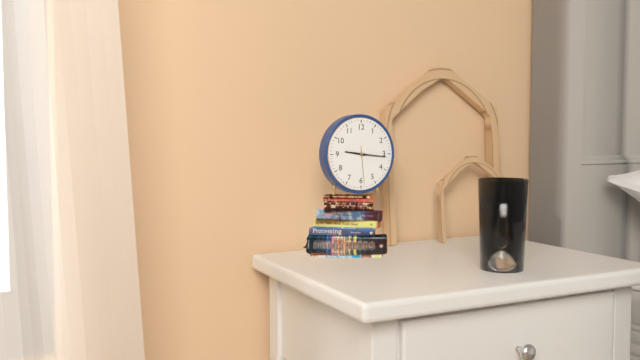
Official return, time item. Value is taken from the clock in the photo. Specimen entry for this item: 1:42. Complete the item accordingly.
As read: 9:16
